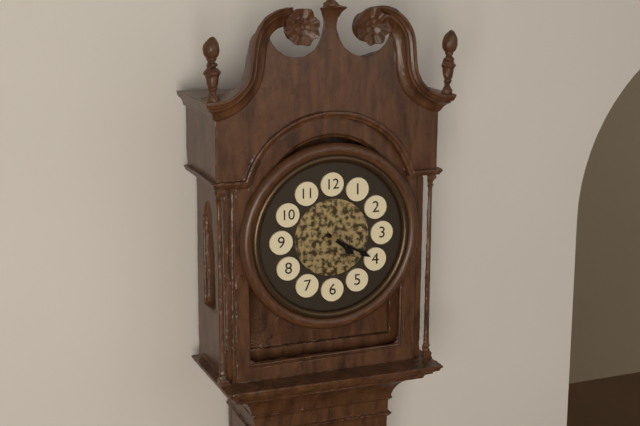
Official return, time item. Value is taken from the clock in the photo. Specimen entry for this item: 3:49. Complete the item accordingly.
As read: 4:20
